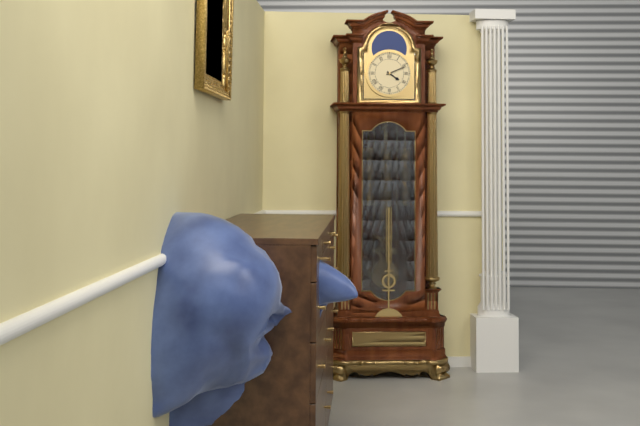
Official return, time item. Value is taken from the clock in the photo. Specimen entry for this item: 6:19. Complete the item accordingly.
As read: 4:11
